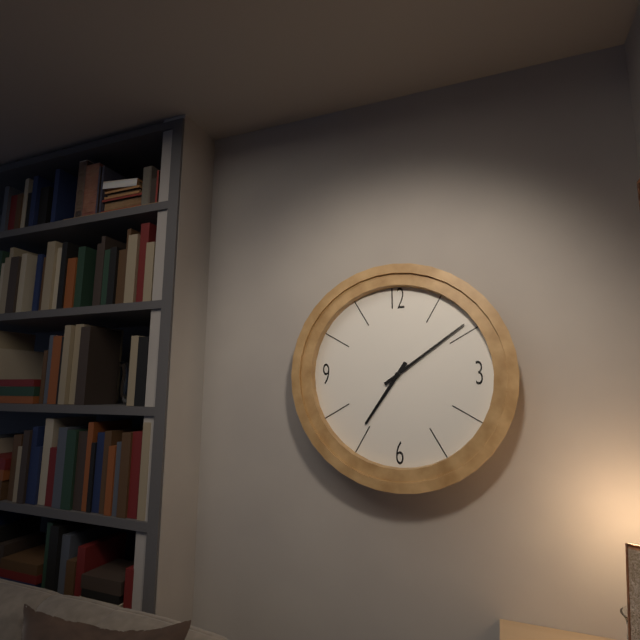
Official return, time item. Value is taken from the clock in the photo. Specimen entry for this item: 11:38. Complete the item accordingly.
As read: 7:09
